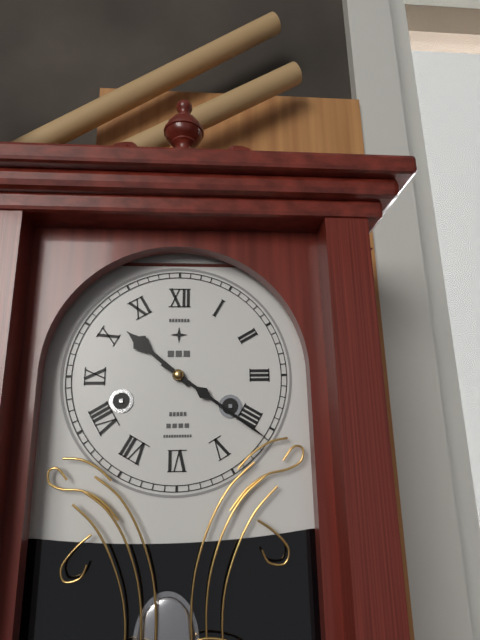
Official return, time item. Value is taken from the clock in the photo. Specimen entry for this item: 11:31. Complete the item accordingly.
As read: 10:21
